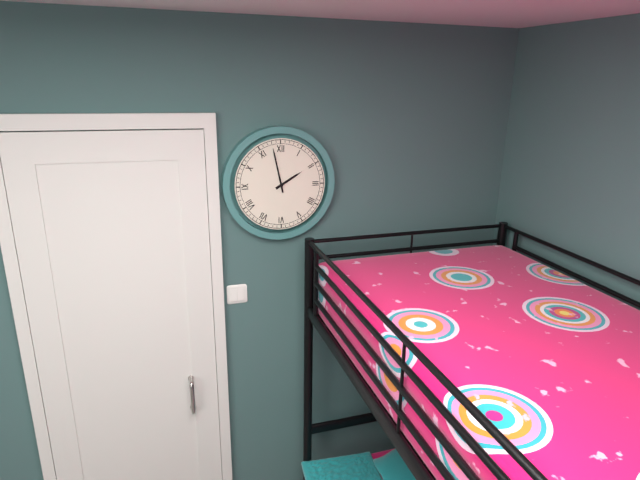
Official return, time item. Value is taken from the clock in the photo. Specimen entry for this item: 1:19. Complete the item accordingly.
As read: 1:58
